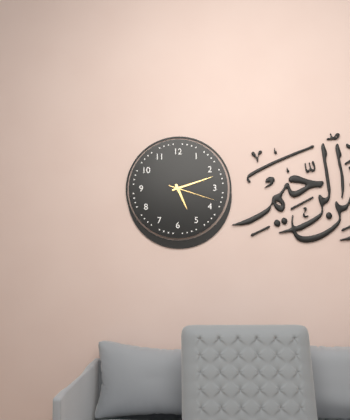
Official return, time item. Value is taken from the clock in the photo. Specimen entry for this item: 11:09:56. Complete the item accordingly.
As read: 5:12:18
